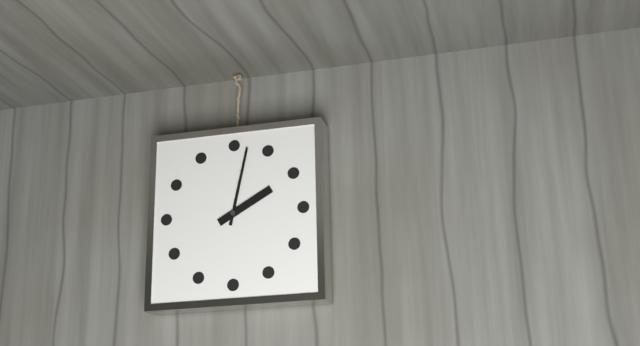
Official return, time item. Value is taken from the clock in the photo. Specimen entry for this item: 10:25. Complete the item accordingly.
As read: 2:02
